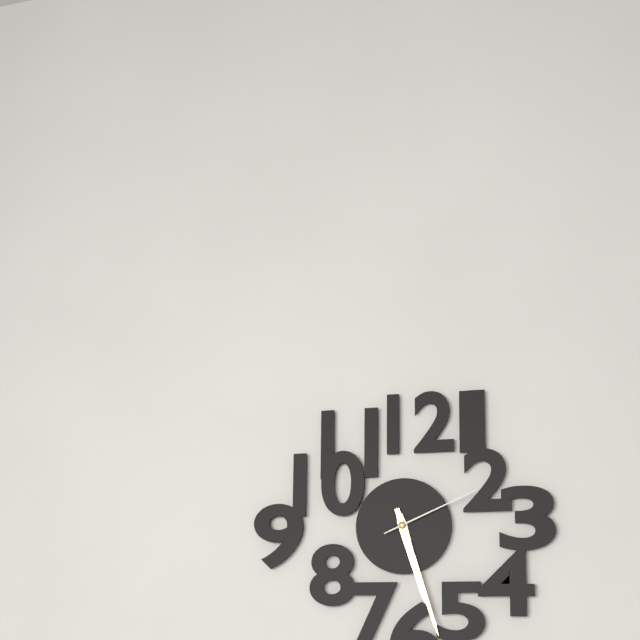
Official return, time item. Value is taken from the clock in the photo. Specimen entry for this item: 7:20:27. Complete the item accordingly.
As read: 5:27:11
